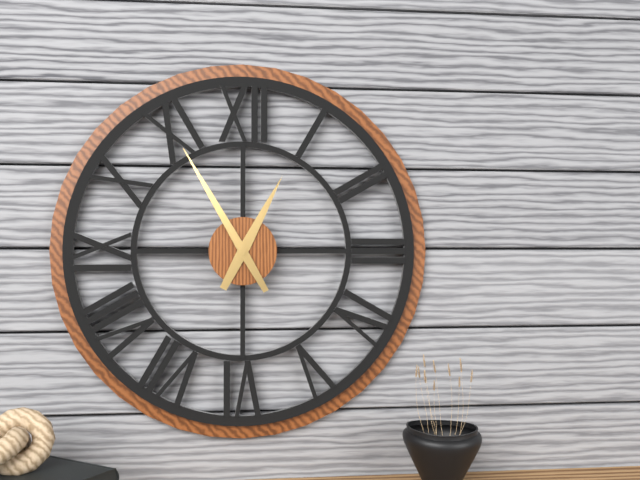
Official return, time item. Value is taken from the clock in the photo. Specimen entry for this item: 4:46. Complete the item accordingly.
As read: 12:55
